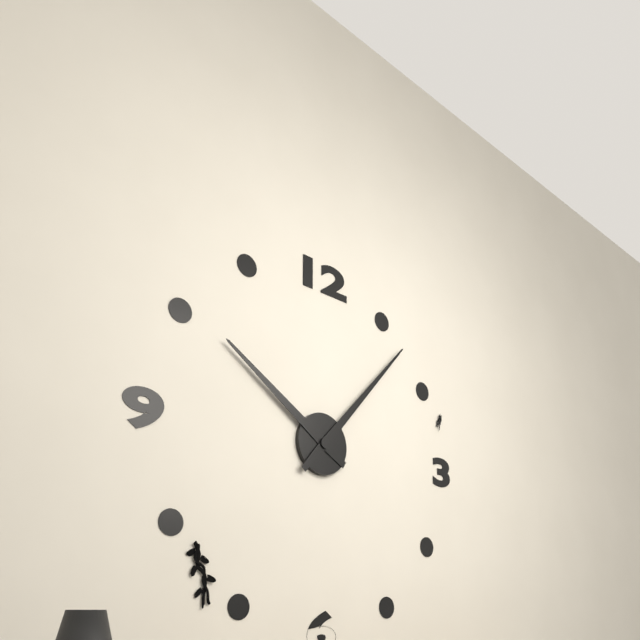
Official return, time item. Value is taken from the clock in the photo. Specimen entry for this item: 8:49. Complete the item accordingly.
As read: 10:07
